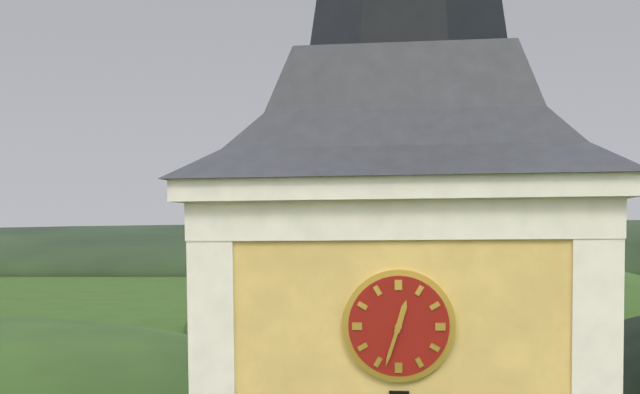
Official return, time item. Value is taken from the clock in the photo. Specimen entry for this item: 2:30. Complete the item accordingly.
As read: 12:33
